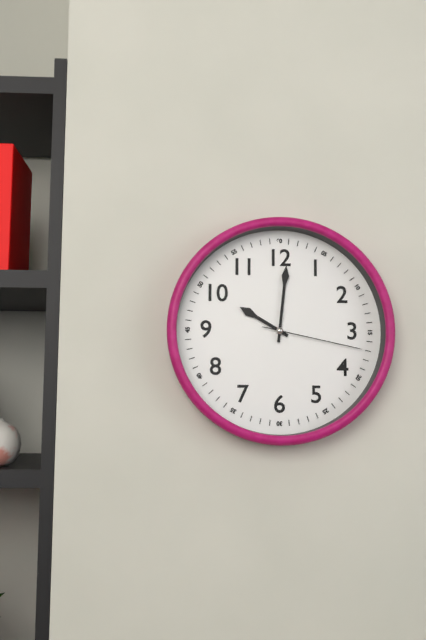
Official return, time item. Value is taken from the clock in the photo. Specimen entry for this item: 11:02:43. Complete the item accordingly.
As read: 10:01:17
